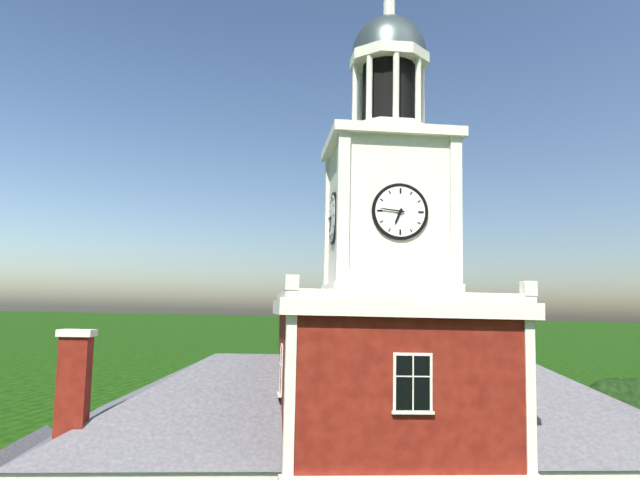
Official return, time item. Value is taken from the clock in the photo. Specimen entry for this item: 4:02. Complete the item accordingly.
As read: 6:46
